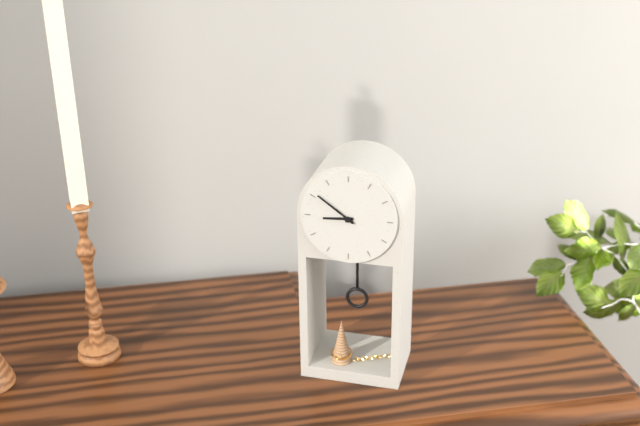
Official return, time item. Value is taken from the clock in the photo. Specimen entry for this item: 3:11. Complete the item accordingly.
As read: 8:51
